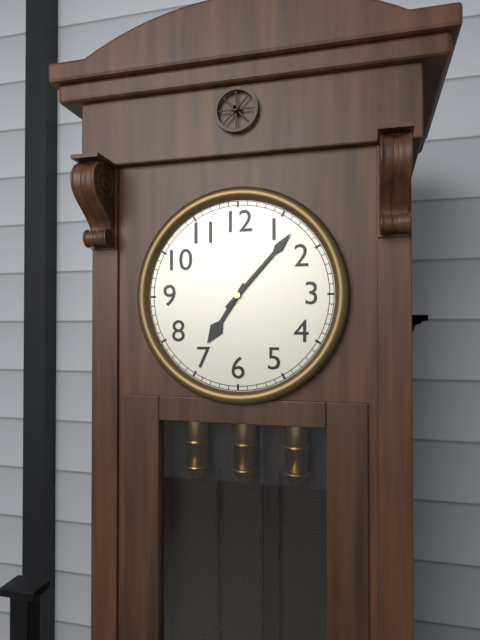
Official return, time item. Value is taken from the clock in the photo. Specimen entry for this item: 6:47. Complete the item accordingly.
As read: 7:07
